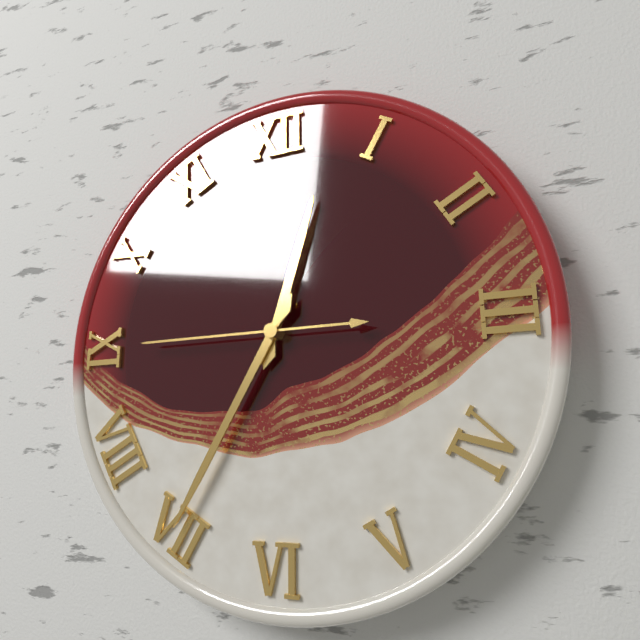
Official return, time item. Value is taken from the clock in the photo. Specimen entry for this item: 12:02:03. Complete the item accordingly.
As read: 12:35:45
